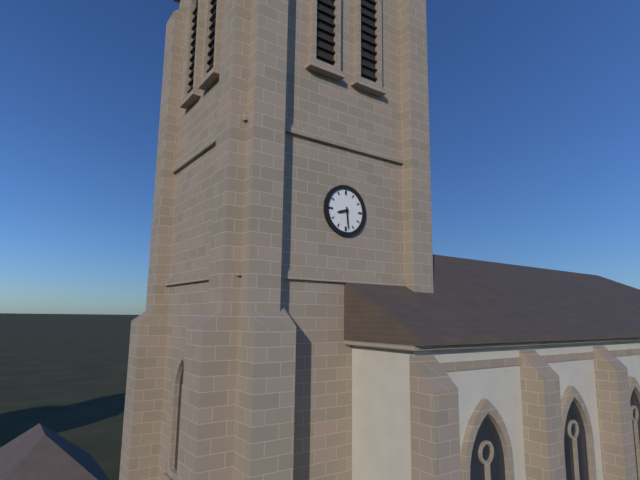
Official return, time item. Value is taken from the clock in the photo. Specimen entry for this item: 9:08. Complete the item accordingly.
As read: 8:29
